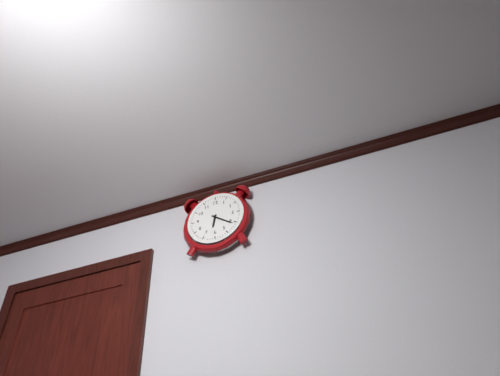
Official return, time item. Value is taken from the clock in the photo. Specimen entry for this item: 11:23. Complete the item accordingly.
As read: 6:21
